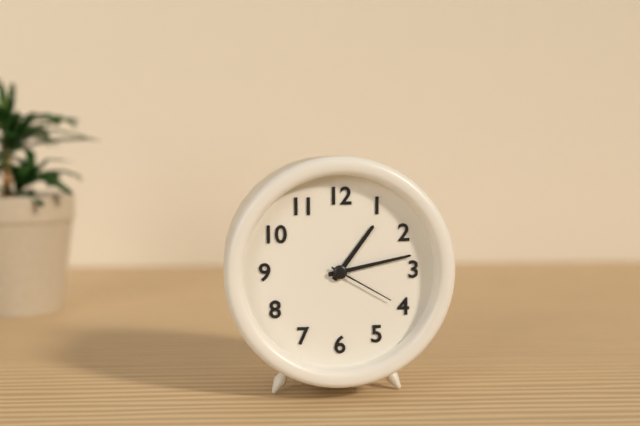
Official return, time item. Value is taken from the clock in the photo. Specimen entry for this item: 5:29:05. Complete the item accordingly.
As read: 1:13:20
